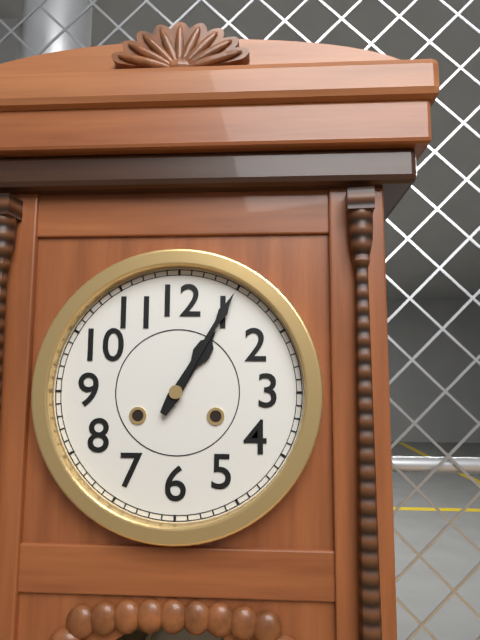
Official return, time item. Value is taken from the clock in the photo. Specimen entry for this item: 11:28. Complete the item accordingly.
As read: 1:05
